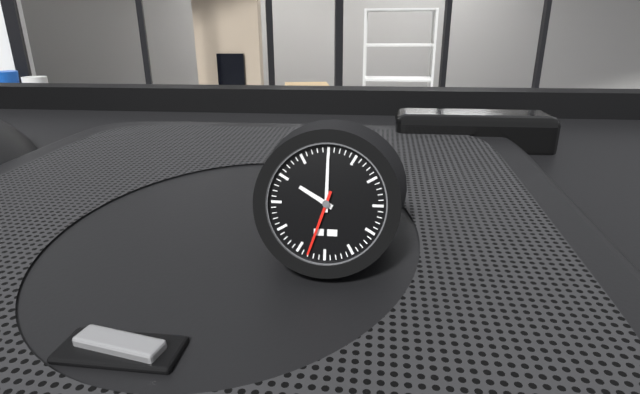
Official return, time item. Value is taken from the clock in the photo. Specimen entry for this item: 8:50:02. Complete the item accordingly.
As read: 10:00:33
